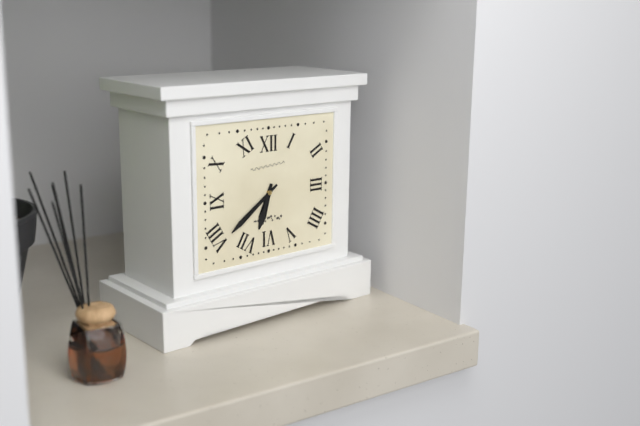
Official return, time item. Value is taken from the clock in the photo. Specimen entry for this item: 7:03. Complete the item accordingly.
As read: 6:39
